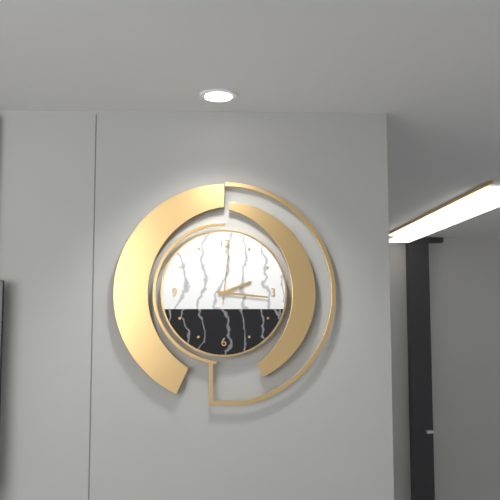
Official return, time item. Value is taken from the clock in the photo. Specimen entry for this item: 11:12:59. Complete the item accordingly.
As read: 2:16:01
